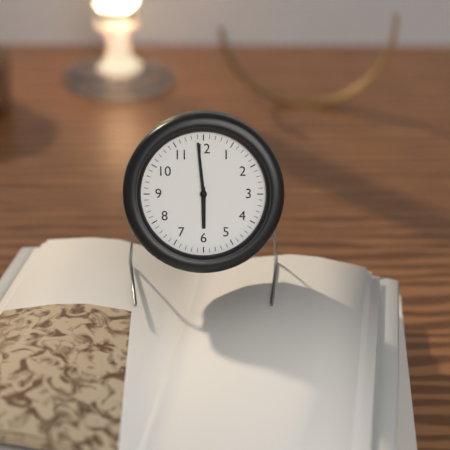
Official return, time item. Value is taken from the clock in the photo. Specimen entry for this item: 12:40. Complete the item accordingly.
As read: 5:59
